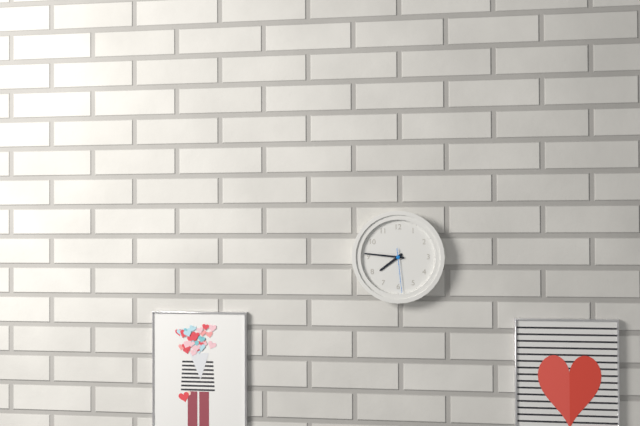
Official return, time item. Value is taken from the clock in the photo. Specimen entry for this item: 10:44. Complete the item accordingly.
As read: 7:46
